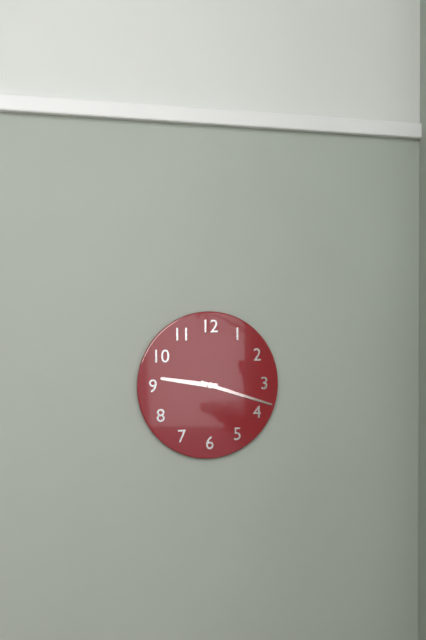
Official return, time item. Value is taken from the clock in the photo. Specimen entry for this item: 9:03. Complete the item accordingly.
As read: 9:18
